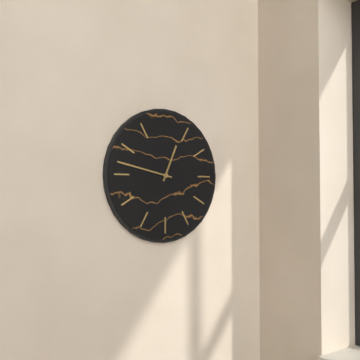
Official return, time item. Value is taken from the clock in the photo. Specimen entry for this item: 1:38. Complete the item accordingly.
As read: 12:47
